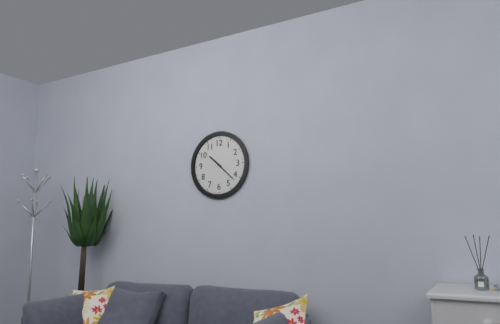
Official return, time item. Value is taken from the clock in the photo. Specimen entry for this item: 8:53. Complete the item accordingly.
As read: 10:22
